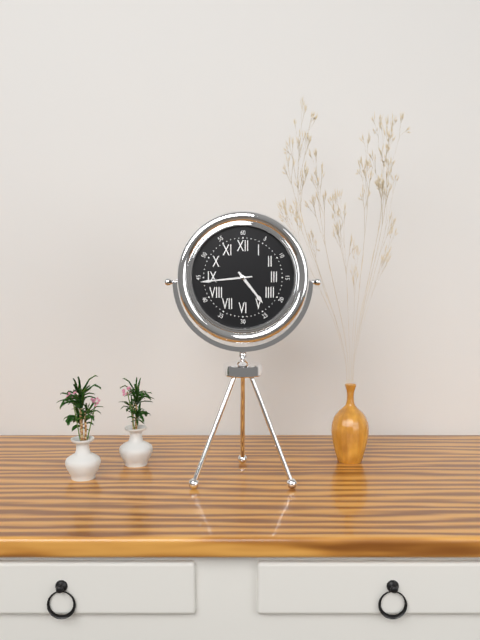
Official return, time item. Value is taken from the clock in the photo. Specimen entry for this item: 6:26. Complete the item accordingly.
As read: 4:44
